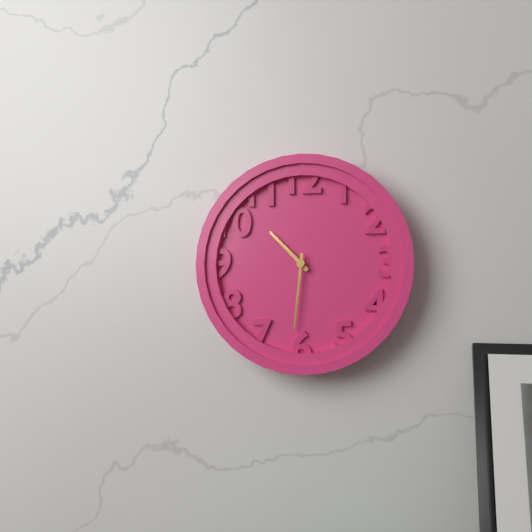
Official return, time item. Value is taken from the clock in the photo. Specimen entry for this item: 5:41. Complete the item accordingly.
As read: 10:31
